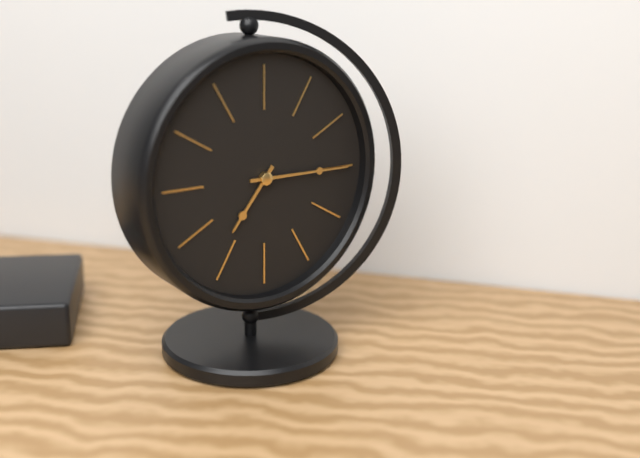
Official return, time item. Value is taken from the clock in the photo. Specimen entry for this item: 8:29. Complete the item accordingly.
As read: 7:15
